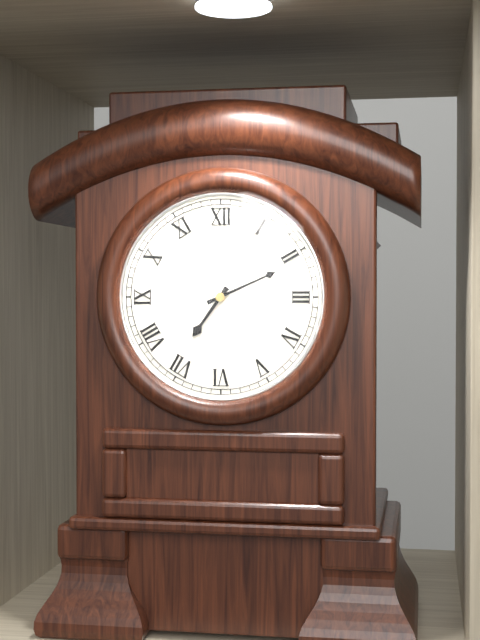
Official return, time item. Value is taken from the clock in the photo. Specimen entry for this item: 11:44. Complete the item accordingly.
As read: 7:11
